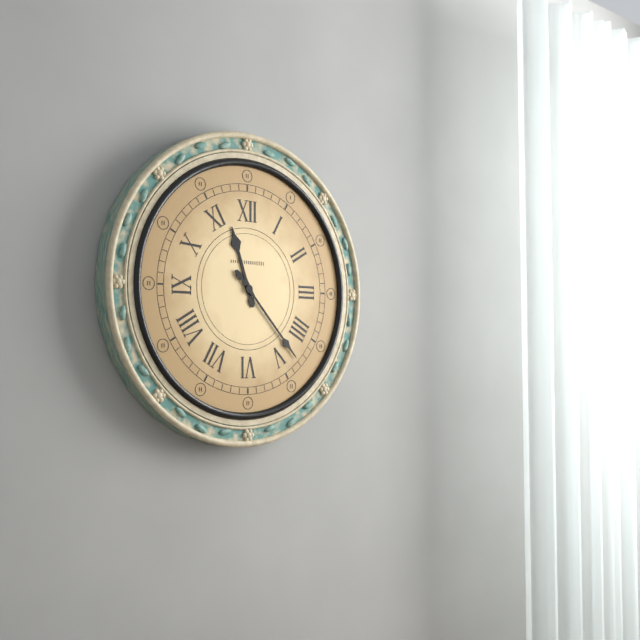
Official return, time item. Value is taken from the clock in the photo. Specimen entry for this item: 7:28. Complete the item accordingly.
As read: 11:23
